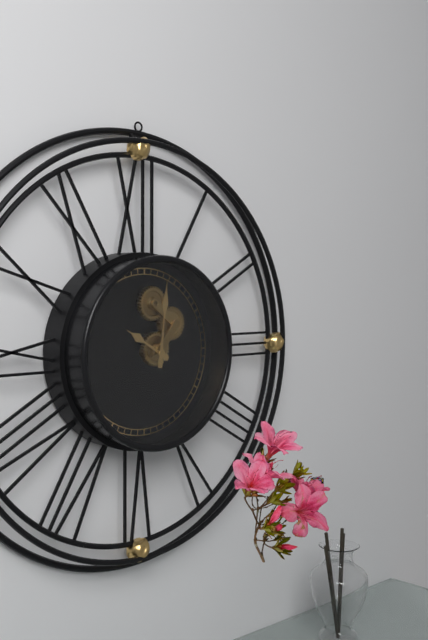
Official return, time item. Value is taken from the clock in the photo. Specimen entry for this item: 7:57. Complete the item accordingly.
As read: 10:01
